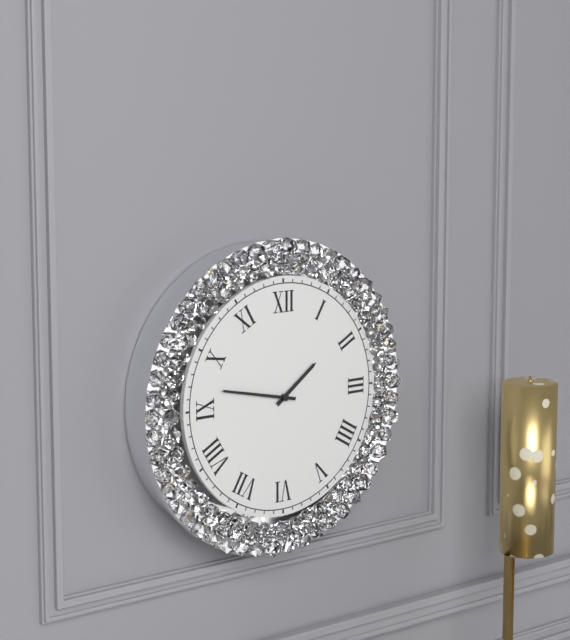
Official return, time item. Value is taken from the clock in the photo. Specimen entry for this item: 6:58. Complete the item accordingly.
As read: 1:47
